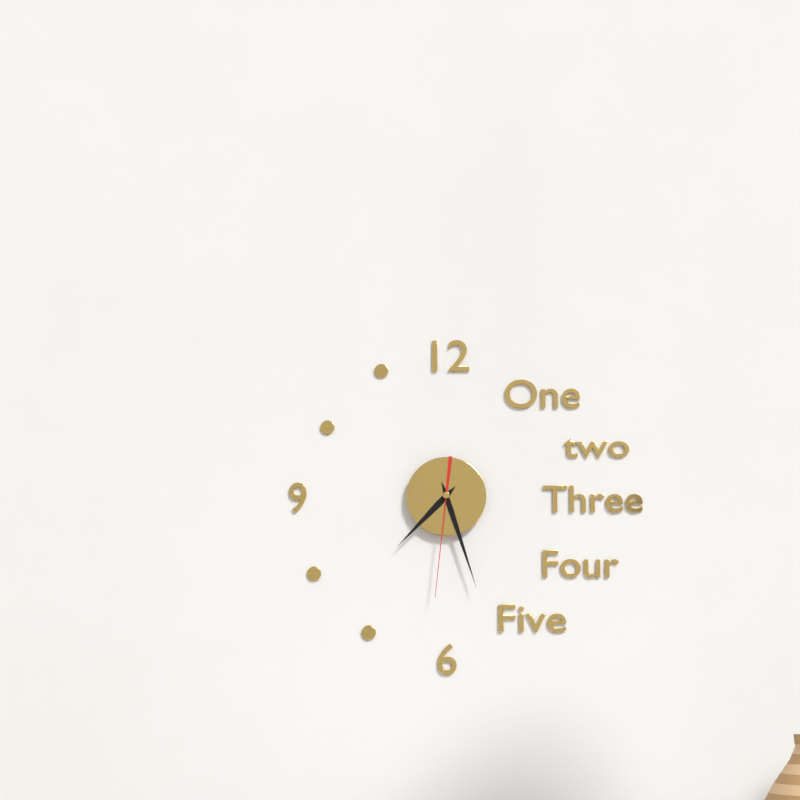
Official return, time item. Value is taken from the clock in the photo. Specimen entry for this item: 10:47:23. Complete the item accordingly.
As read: 7:27:31
